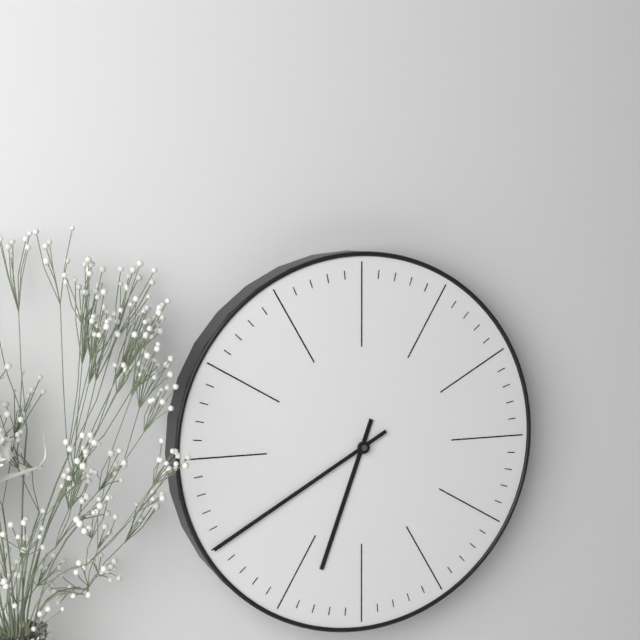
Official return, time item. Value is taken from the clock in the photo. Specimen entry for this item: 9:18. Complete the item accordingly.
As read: 6:40
